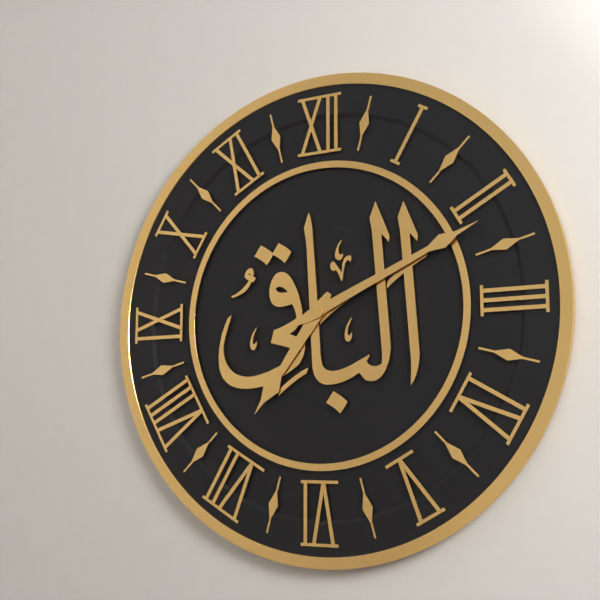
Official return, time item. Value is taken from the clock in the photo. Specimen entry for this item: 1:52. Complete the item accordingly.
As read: 7:11
